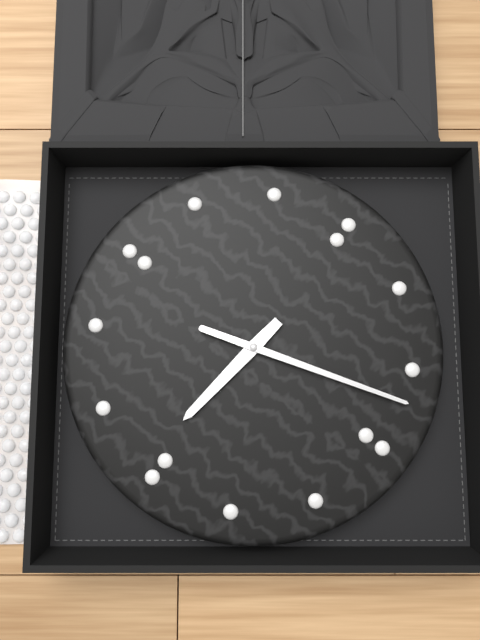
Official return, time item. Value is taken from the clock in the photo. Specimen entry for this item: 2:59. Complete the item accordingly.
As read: 6:12
